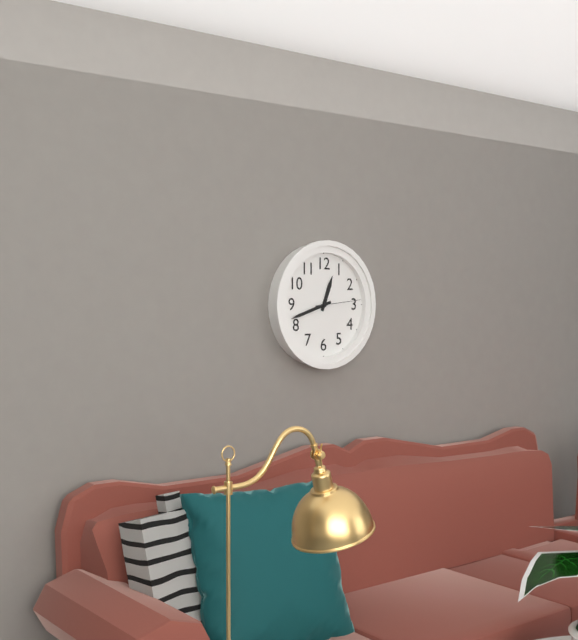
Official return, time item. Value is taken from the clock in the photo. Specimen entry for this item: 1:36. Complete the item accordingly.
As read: 12:42
